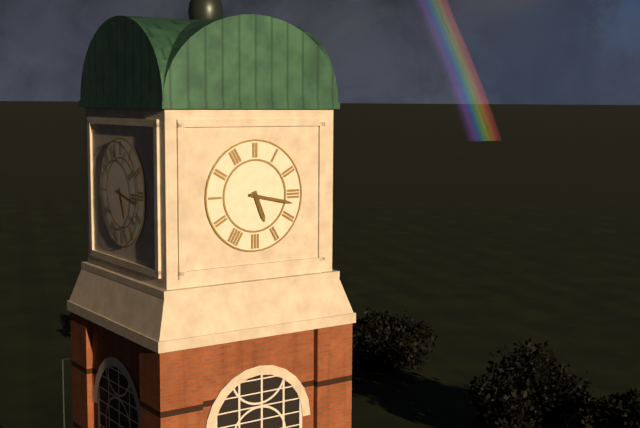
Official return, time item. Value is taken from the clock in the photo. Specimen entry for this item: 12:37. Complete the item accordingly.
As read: 5:17
